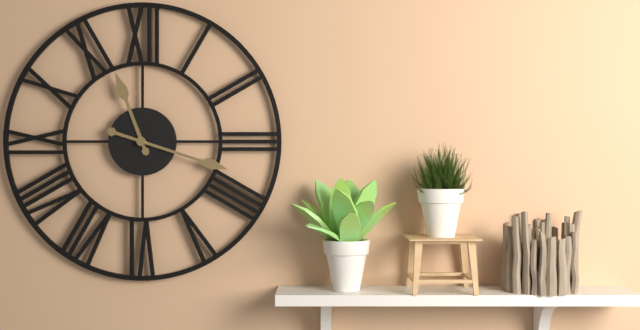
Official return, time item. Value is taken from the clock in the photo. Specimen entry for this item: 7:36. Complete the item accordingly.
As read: 11:18
